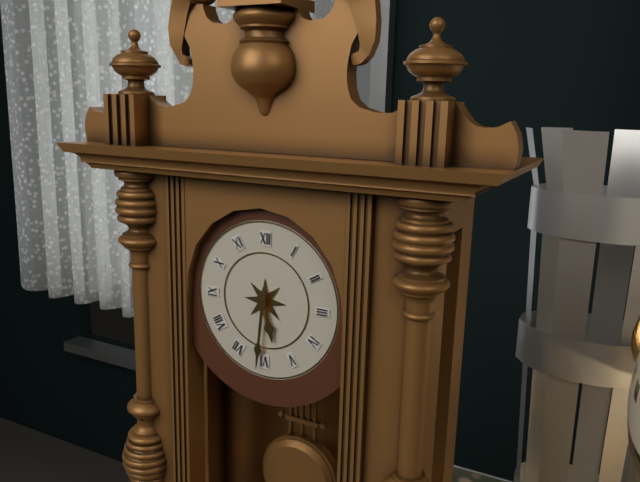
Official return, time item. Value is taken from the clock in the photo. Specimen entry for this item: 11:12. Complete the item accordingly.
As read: 5:31
